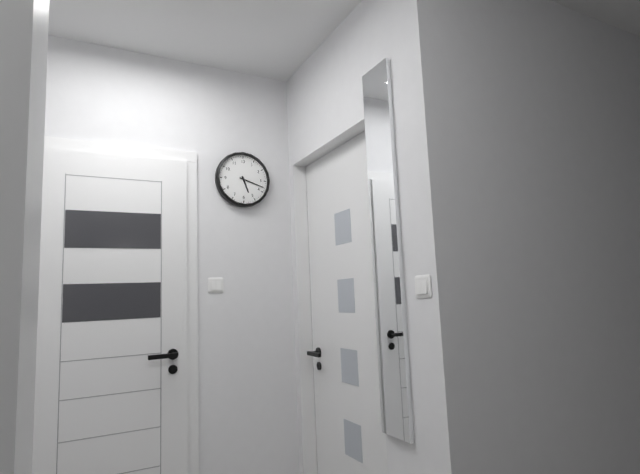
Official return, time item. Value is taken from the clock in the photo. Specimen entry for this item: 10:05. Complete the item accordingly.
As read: 5:18
